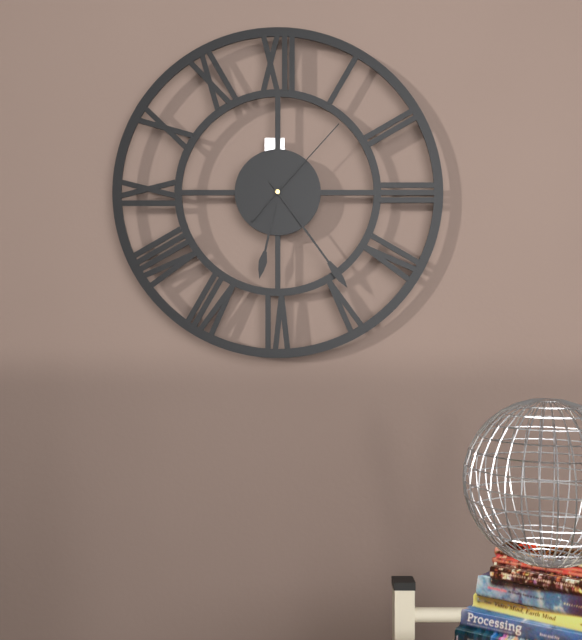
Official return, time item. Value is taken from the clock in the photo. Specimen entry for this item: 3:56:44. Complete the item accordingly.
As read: 6:24:07
